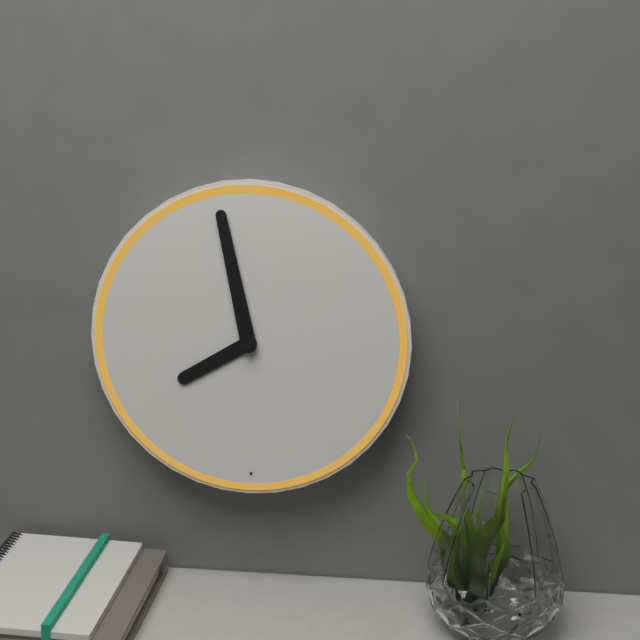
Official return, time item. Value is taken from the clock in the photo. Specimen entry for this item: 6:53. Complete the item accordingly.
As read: 7:58
